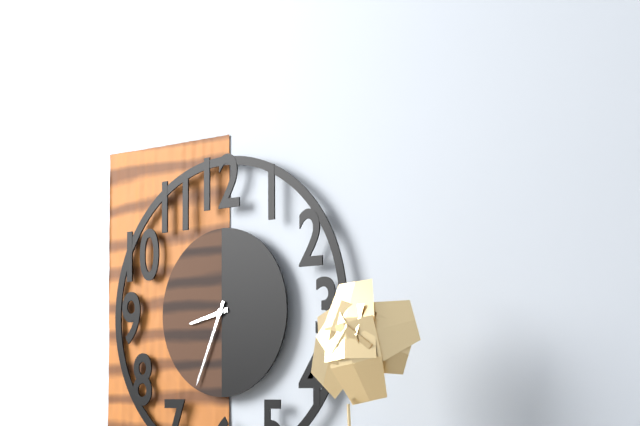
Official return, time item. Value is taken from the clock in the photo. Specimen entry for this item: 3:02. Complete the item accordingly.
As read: 8:34
